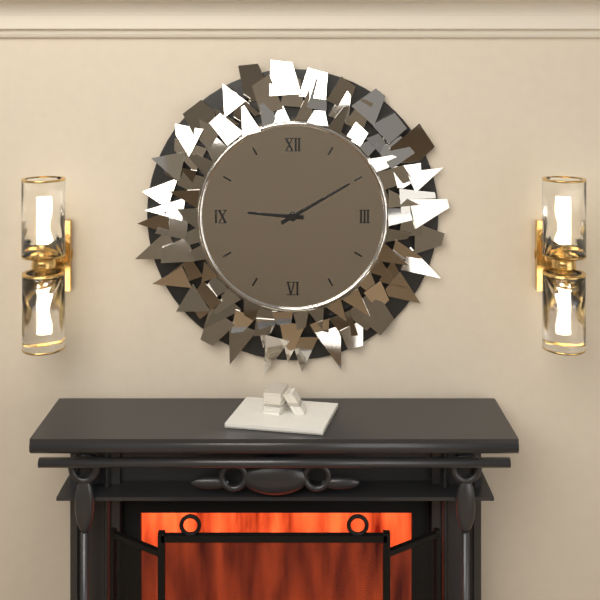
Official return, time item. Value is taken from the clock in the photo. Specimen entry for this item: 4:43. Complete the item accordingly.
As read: 9:10
